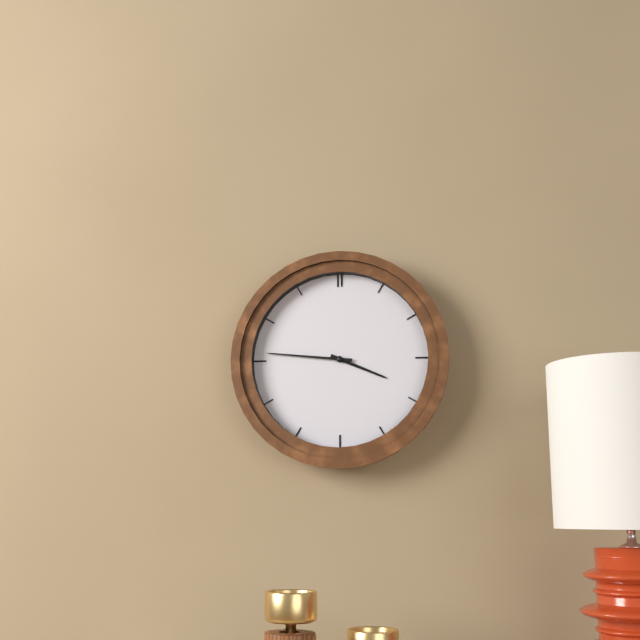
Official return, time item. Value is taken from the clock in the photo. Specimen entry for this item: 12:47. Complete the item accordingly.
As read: 3:46
